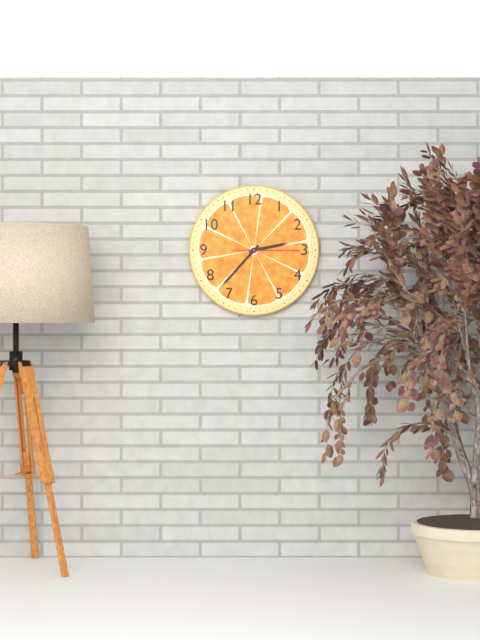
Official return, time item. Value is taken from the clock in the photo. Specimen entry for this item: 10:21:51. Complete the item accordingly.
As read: 2:37:15
